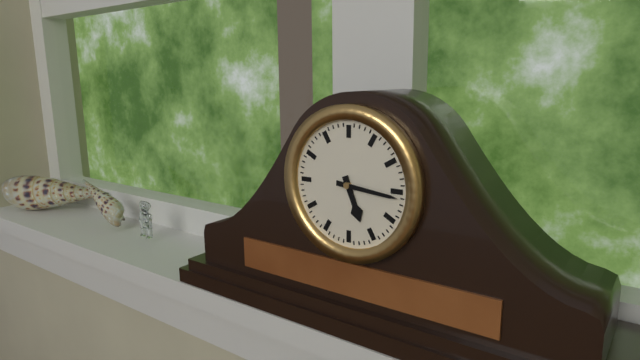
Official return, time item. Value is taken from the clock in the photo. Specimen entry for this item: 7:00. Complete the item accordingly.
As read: 5:16
